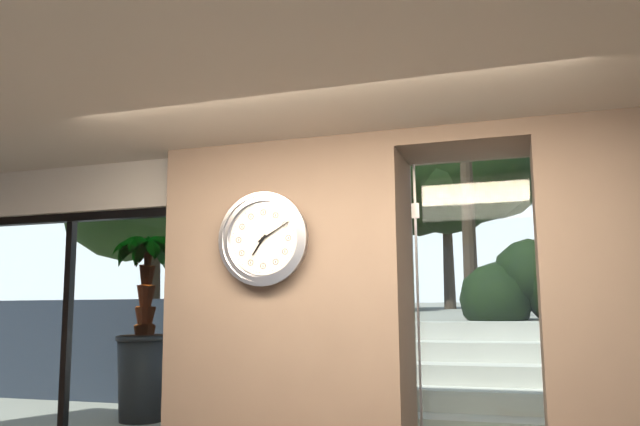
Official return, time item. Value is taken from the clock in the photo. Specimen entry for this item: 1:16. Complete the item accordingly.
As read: 7:10
